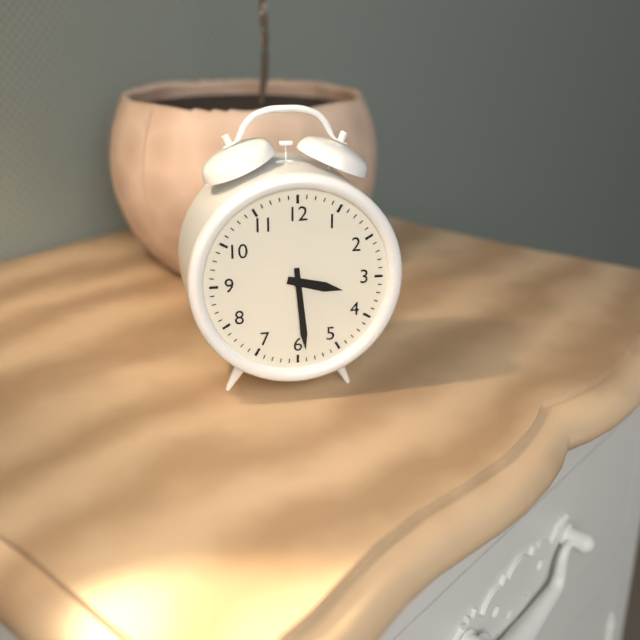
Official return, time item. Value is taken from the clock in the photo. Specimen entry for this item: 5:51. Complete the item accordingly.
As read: 3:29
